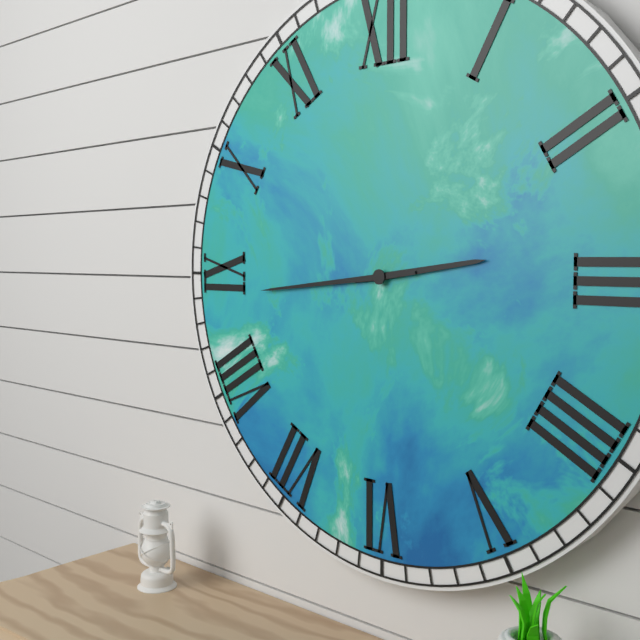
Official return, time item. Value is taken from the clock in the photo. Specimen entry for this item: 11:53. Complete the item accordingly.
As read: 2:44
